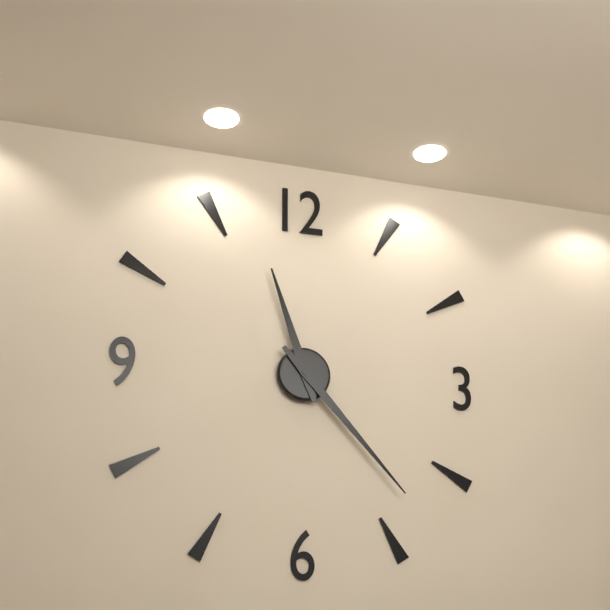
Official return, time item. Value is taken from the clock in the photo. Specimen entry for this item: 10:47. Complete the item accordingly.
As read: 11:23
